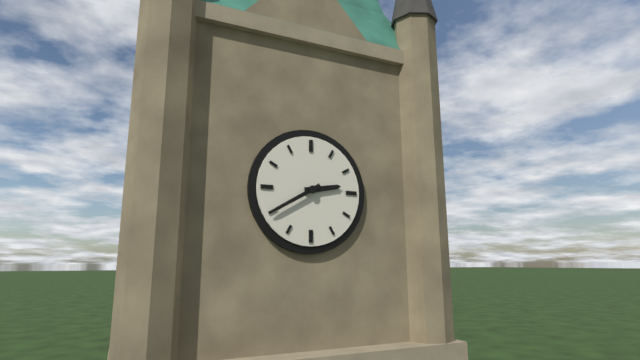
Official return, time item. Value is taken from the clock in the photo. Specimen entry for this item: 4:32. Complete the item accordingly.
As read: 2:40
